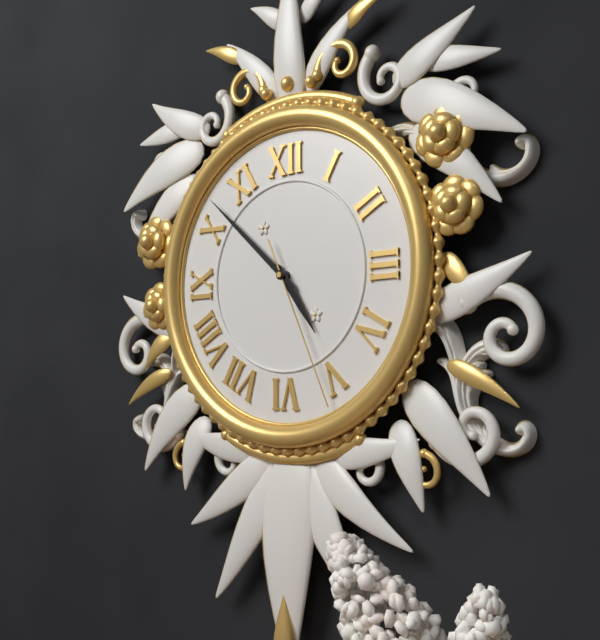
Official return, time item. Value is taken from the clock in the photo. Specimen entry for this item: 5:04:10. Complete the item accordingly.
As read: 4:52:26
